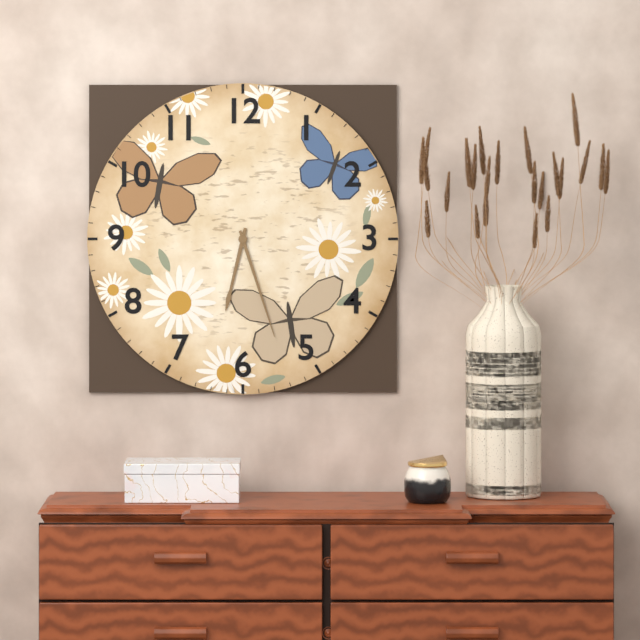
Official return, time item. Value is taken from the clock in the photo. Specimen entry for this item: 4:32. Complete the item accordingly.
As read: 6:27
